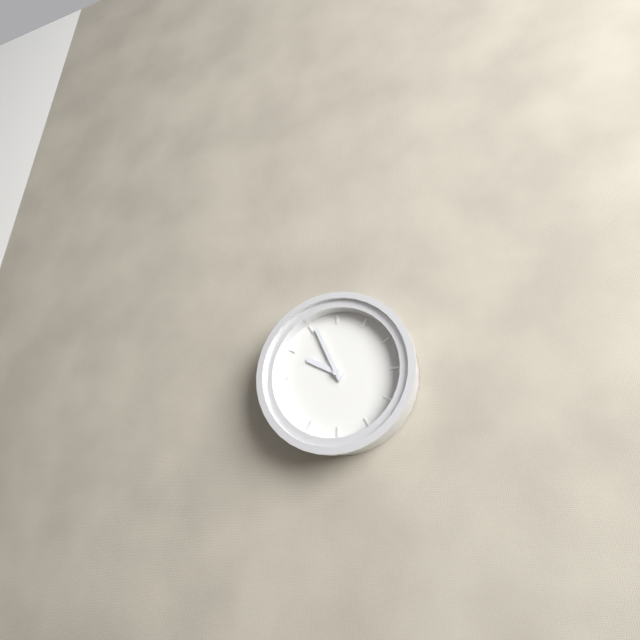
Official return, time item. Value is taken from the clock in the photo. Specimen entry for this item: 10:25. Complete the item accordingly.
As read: 9:56
